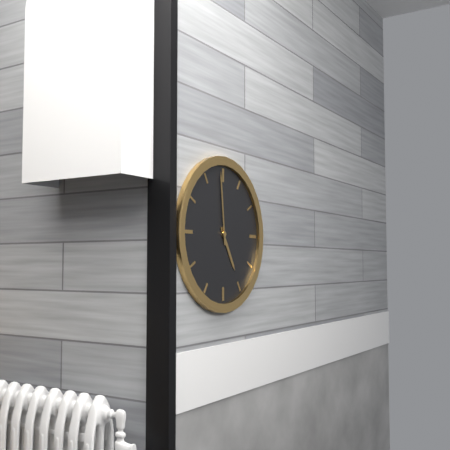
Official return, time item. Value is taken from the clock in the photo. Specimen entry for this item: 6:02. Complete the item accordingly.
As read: 4:59
